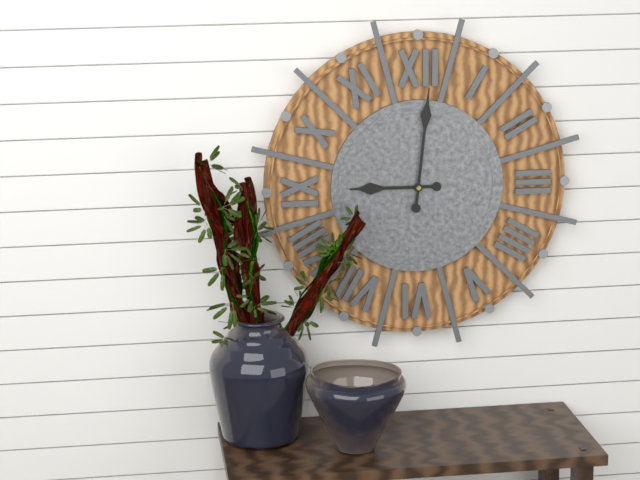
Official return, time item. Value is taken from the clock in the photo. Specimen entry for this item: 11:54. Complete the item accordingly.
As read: 9:01
